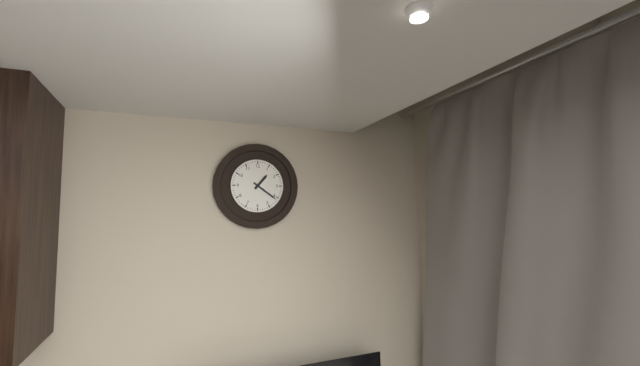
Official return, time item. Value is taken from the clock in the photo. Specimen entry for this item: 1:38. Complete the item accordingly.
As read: 1:21
